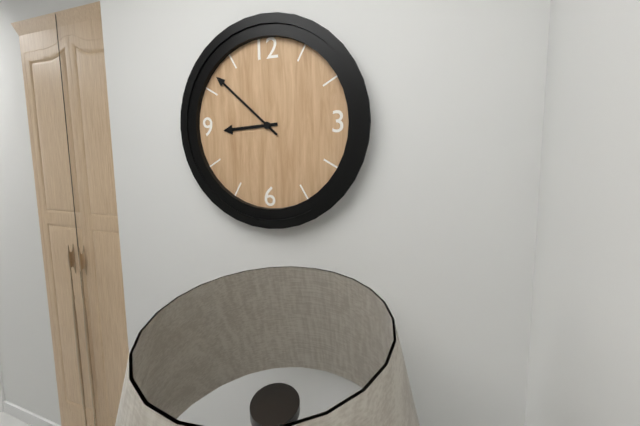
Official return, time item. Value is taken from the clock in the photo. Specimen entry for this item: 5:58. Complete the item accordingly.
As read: 8:52
